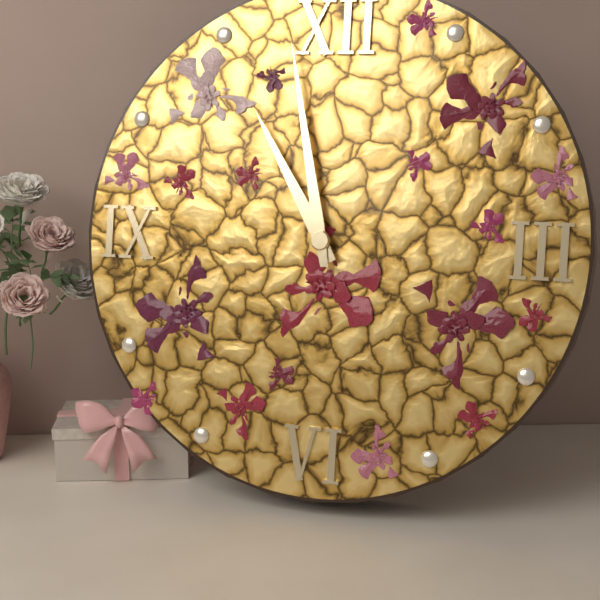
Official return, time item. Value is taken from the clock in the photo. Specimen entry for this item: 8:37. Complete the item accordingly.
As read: 10:58
